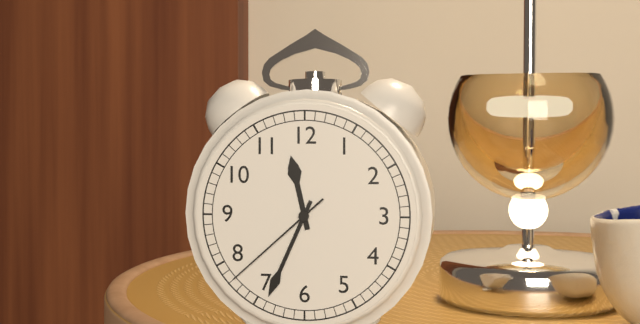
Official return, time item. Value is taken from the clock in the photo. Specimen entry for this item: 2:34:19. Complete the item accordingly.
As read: 11:34:38
